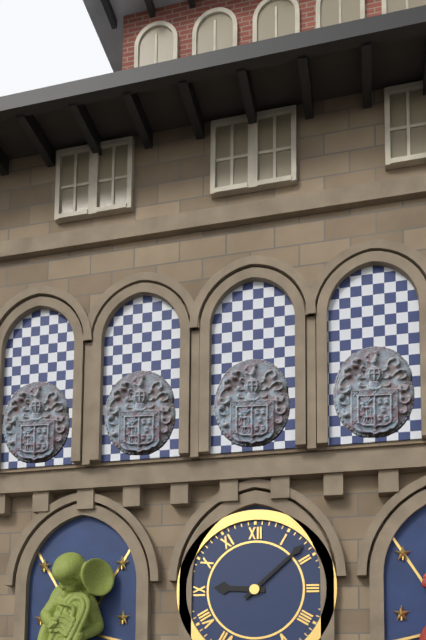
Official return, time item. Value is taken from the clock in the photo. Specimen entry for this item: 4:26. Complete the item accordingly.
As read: 9:08
